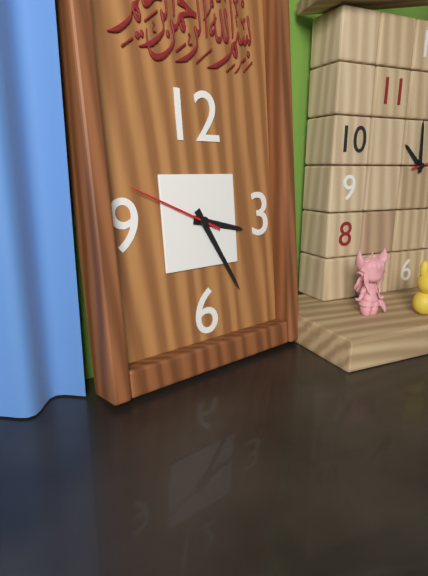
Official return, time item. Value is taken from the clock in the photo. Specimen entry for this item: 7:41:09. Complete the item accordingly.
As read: 3:25:49
